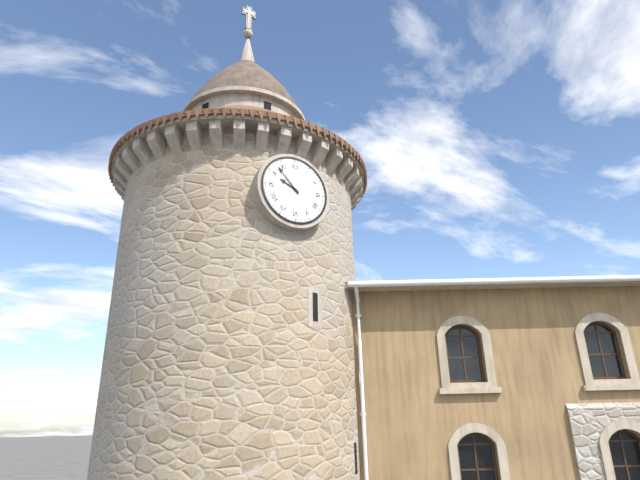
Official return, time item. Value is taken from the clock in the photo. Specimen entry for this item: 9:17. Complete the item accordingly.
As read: 9:53
